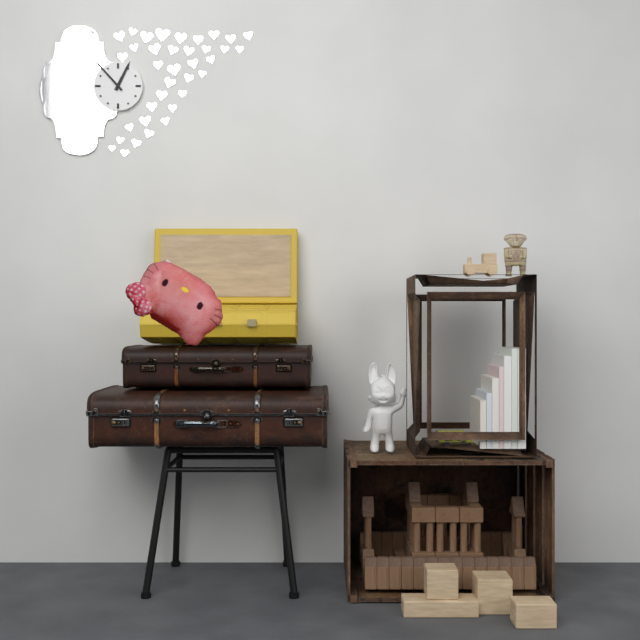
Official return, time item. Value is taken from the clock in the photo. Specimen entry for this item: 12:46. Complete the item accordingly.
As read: 12:53
